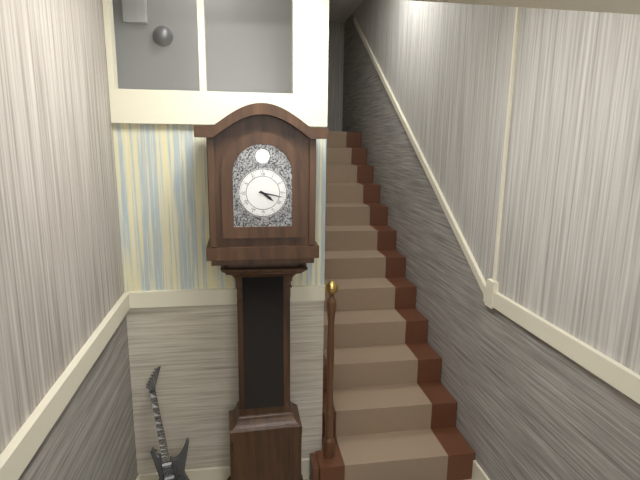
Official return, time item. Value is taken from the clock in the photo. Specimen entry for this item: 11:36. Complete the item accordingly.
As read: 4:17
